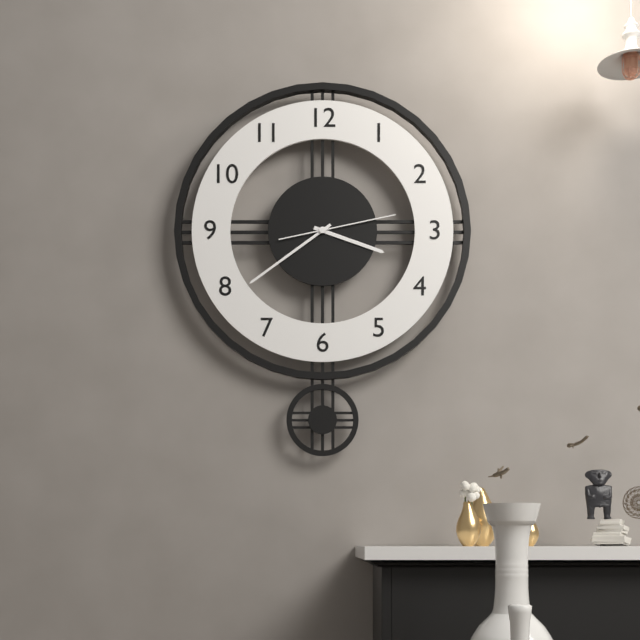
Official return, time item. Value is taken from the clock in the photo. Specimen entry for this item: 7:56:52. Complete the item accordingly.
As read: 3:39:13
